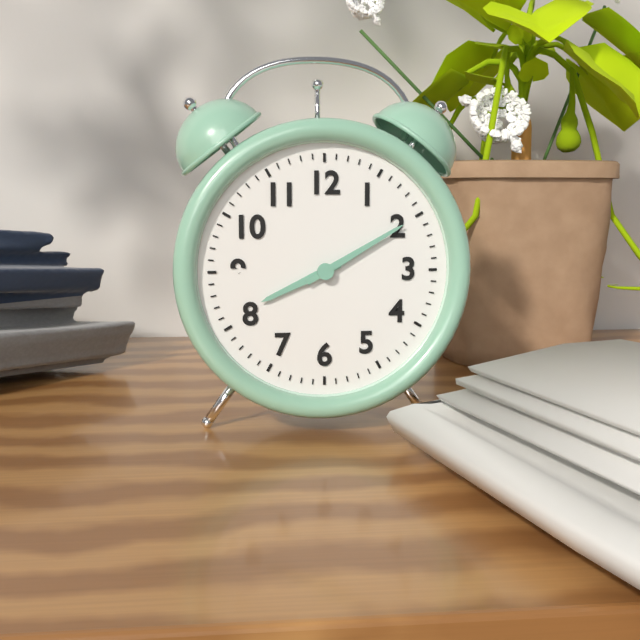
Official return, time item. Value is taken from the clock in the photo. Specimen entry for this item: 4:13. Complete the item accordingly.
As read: 8:10
